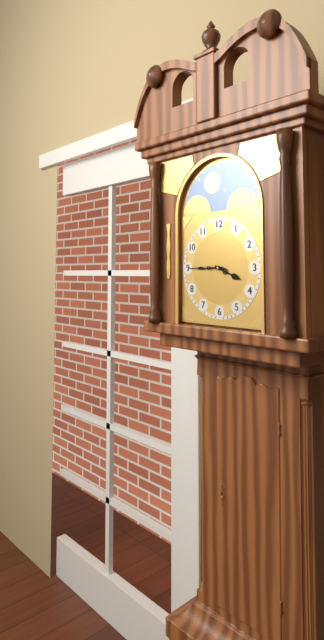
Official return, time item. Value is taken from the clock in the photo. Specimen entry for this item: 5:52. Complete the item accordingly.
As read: 3:45
